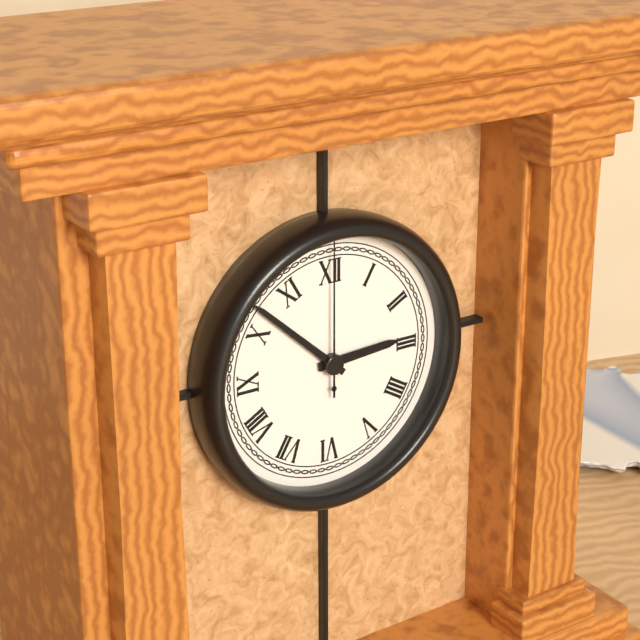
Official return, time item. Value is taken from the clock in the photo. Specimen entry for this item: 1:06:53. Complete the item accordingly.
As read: 2:52:00
